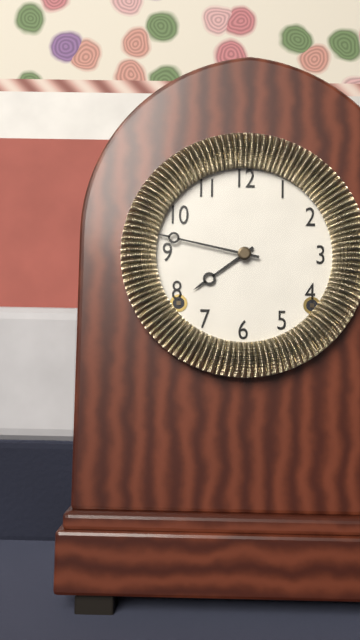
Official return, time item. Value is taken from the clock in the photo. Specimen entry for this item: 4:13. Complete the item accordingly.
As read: 7:47
